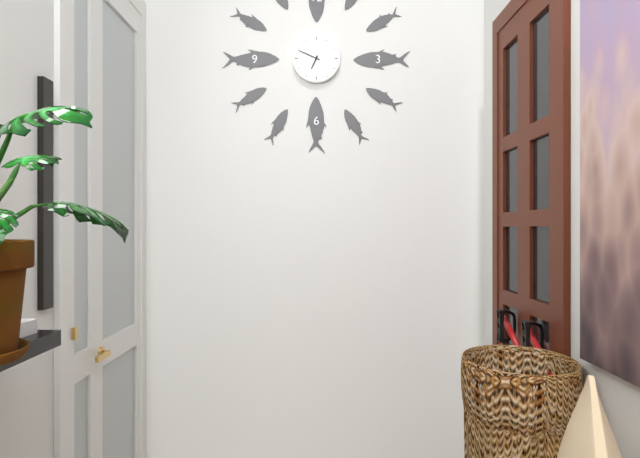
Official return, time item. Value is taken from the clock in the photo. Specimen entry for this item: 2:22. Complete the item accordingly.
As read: 6:49
